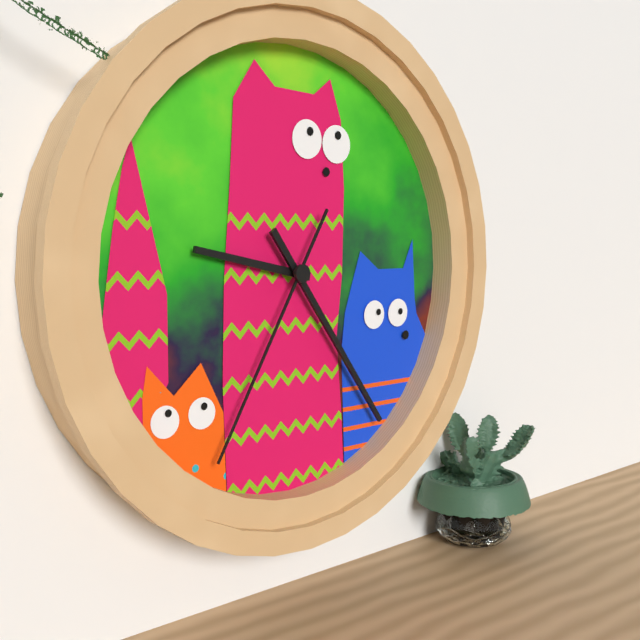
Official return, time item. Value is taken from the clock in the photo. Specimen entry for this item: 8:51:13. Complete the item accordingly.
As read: 9:24:35
